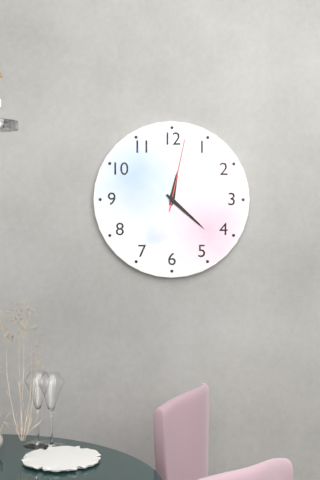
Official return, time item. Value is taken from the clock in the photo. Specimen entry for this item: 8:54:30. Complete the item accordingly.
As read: 12:22:02
